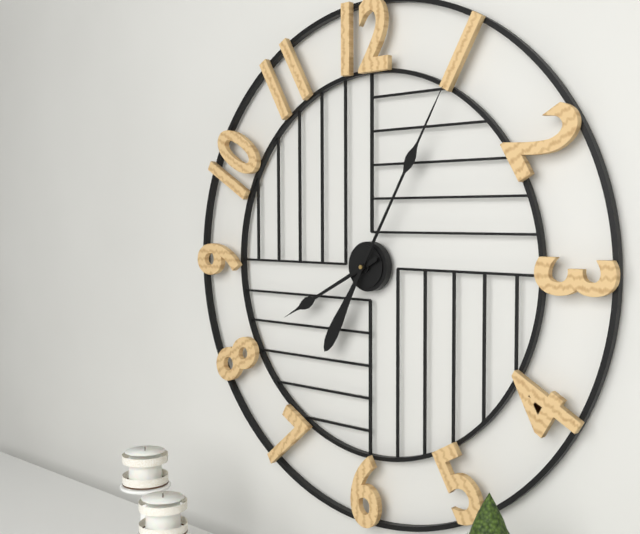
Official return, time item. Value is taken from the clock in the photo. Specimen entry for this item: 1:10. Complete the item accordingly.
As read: 8:05
